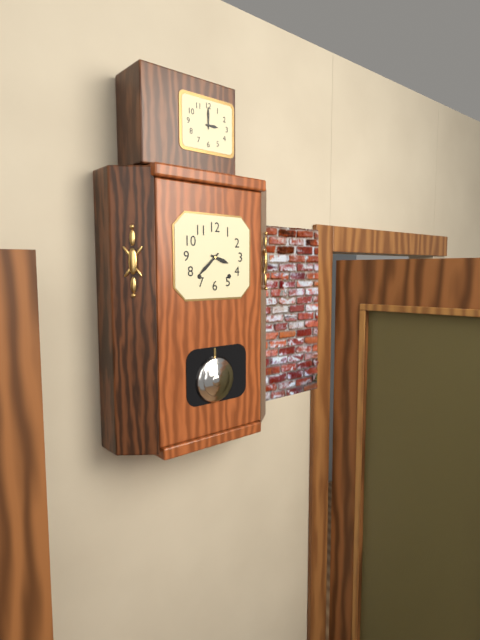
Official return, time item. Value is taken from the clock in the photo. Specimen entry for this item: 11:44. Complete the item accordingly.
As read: 3:38
